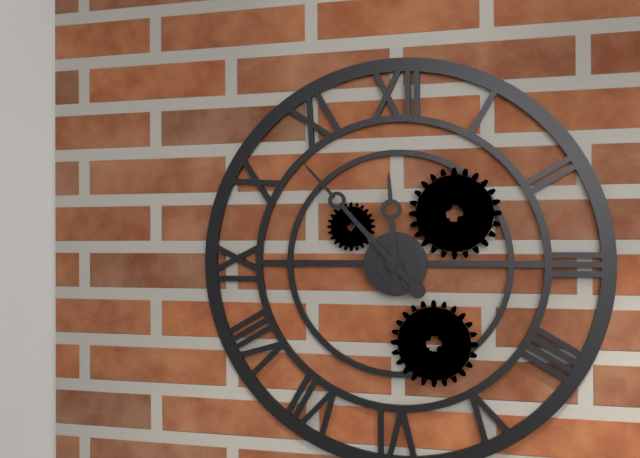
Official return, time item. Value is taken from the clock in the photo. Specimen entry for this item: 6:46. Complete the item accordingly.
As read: 11:53
